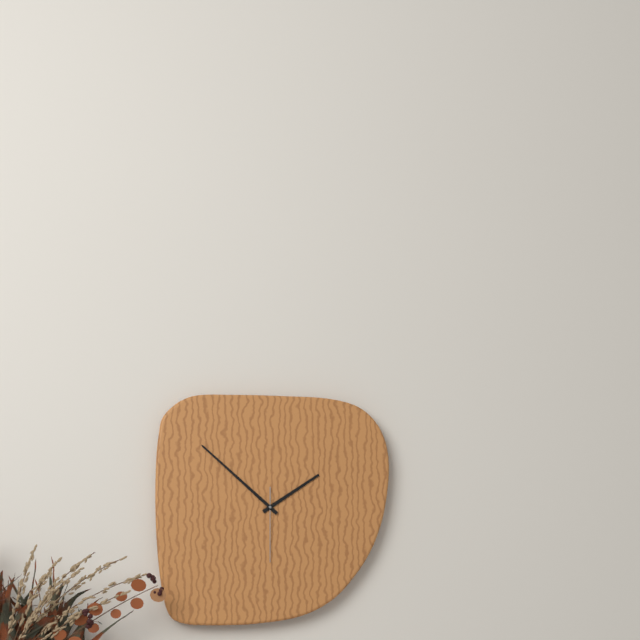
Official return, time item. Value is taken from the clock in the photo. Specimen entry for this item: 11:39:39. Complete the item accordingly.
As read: 1:52:30
